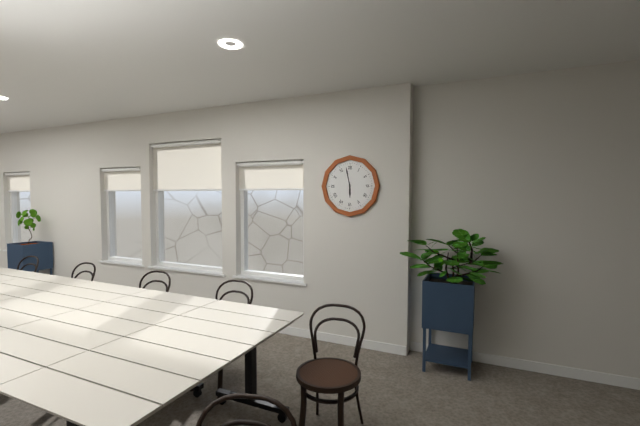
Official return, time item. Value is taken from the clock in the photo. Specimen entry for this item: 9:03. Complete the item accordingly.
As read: 5:58
